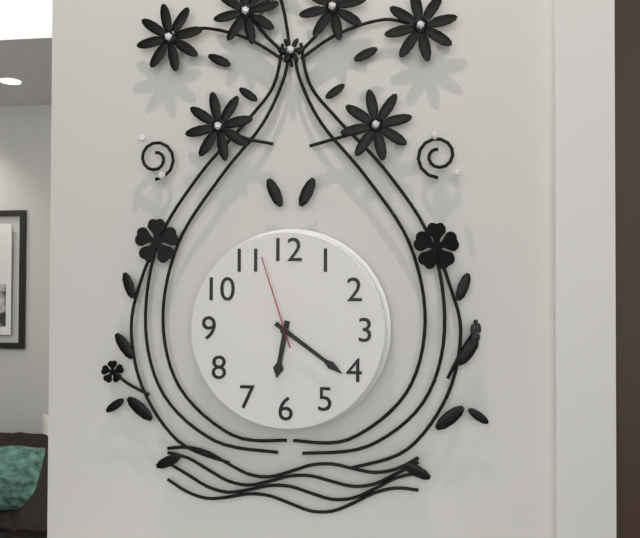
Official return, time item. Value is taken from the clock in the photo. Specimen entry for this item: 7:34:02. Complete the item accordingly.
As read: 6:21:57
